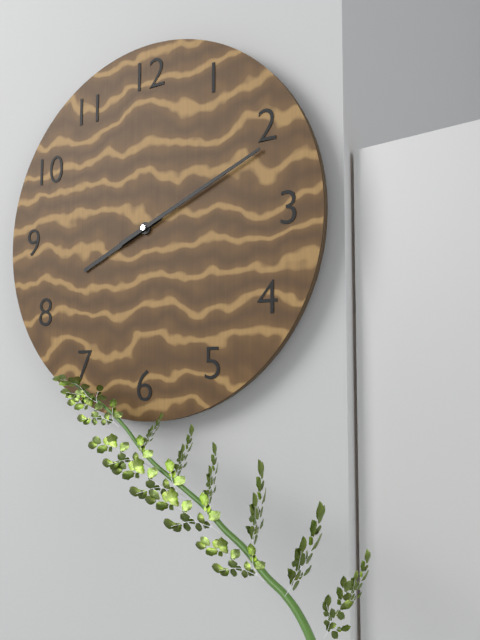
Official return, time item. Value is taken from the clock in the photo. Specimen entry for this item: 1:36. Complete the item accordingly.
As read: 8:11
